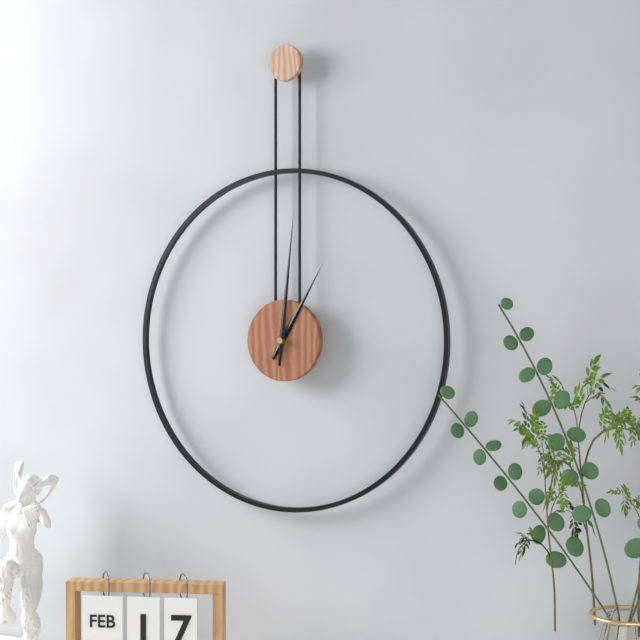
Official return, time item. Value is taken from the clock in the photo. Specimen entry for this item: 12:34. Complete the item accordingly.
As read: 1:01
